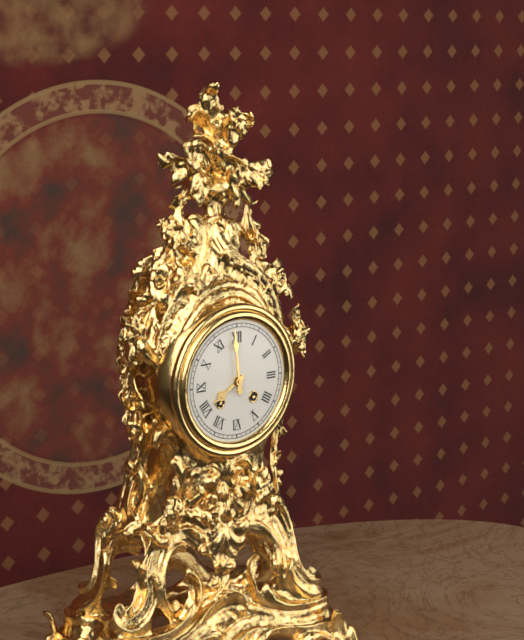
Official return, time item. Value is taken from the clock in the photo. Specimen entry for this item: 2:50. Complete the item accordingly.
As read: 7:59
